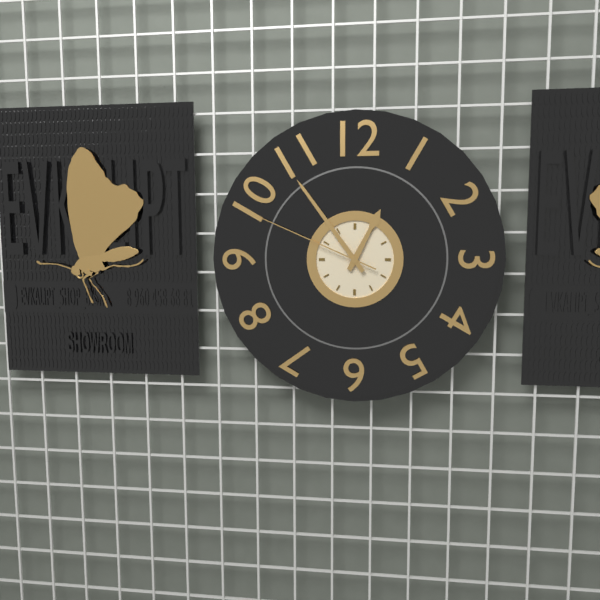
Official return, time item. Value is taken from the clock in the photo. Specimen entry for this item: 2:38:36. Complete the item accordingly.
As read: 12:54:49
